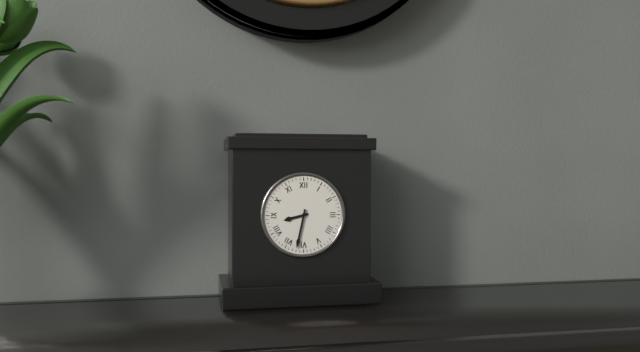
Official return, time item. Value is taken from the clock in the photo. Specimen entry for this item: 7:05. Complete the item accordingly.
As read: 8:32
